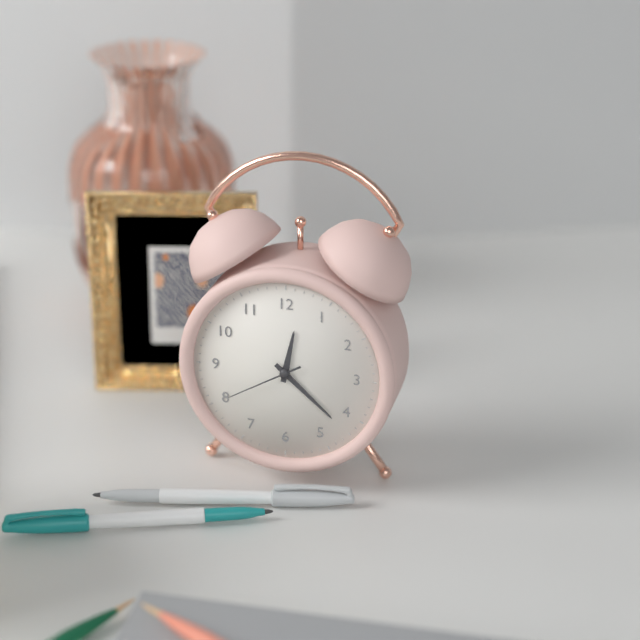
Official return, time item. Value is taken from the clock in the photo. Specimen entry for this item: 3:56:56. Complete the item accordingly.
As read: 12:22:40
